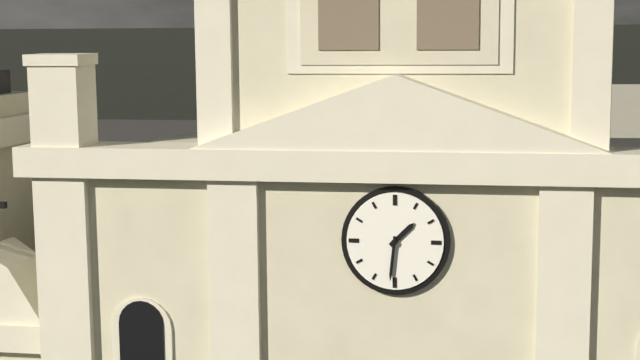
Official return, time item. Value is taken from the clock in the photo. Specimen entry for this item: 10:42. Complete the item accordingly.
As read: 1:31
